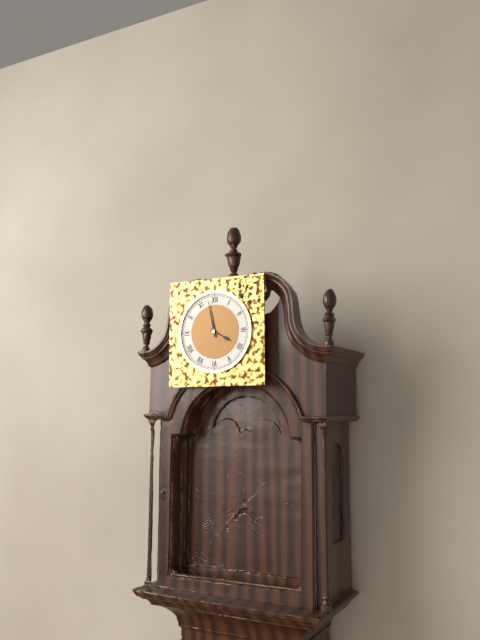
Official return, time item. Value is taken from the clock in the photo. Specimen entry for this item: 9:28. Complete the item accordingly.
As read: 3:58
